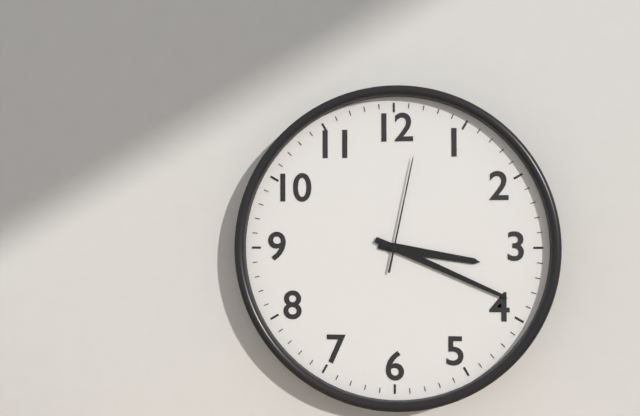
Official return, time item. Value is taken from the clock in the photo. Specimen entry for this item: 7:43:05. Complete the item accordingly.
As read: 3:19:02
